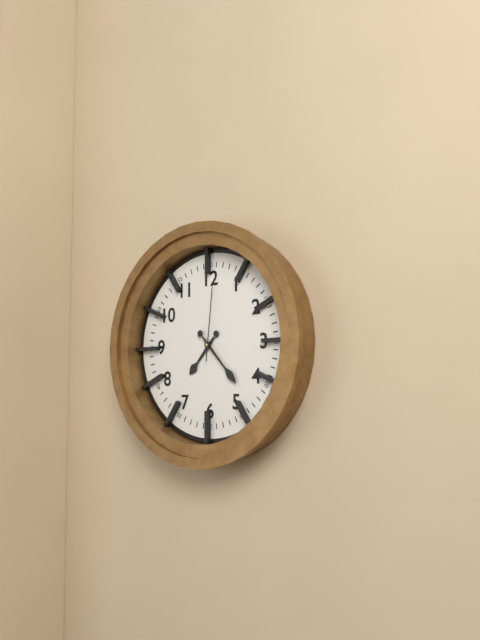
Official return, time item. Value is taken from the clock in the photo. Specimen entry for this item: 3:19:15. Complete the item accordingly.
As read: 7:23:01
